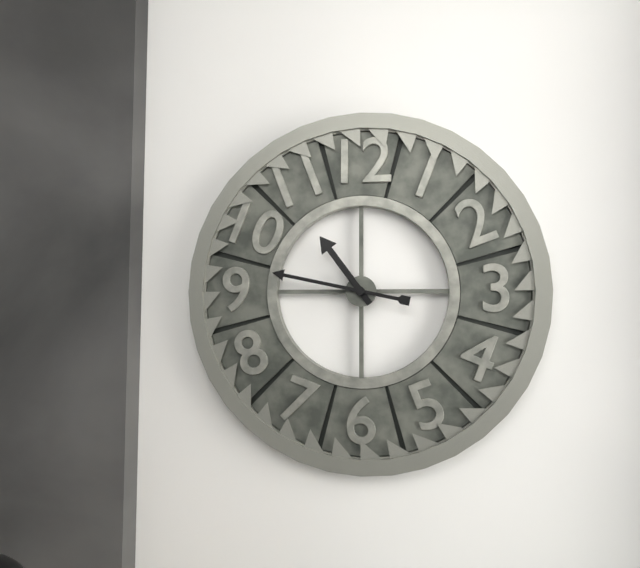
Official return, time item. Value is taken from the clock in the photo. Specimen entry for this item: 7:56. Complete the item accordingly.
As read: 10:47
